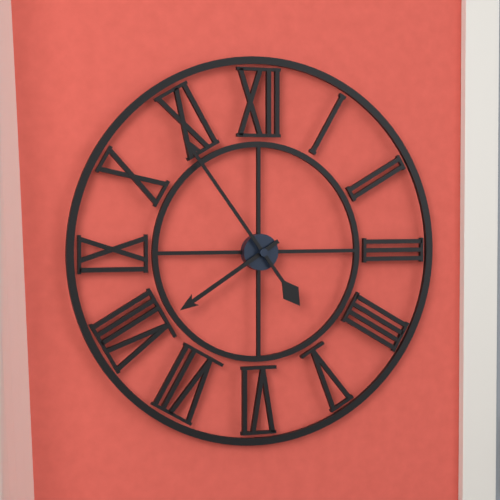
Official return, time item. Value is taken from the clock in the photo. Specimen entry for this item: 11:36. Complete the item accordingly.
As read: 7:54
